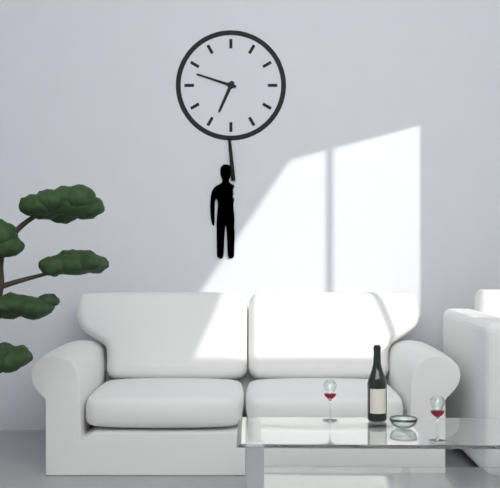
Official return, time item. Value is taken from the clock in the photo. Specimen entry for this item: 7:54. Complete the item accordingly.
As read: 6:48
